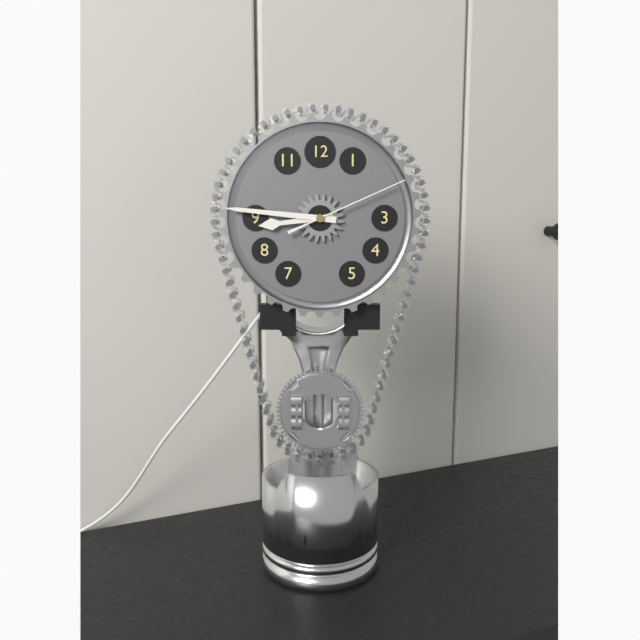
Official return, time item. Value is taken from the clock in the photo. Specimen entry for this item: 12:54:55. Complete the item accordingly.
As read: 8:46:11
